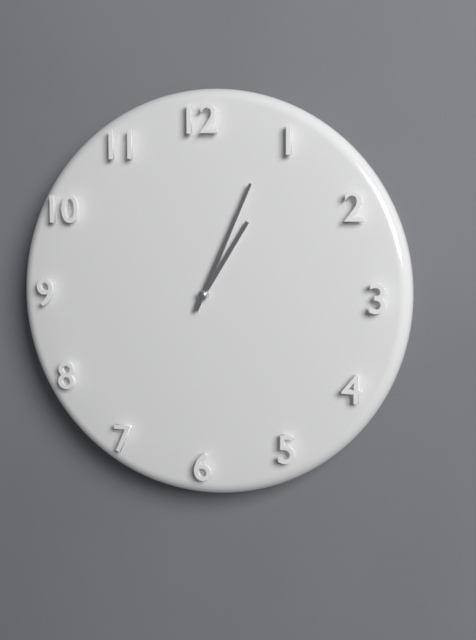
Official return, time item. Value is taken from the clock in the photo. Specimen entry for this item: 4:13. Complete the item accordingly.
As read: 1:04
